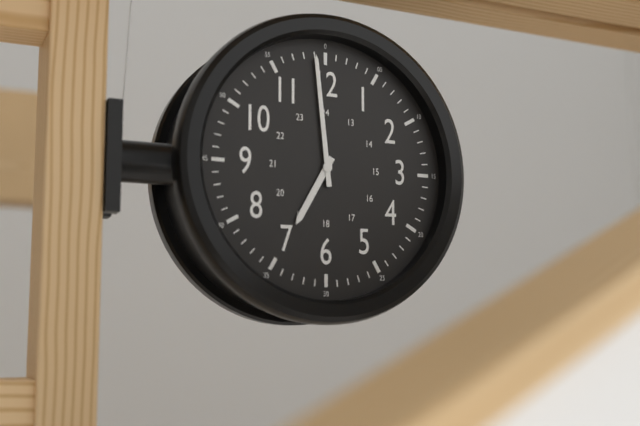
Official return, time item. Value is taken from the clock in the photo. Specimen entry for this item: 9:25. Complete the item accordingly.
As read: 6:59
